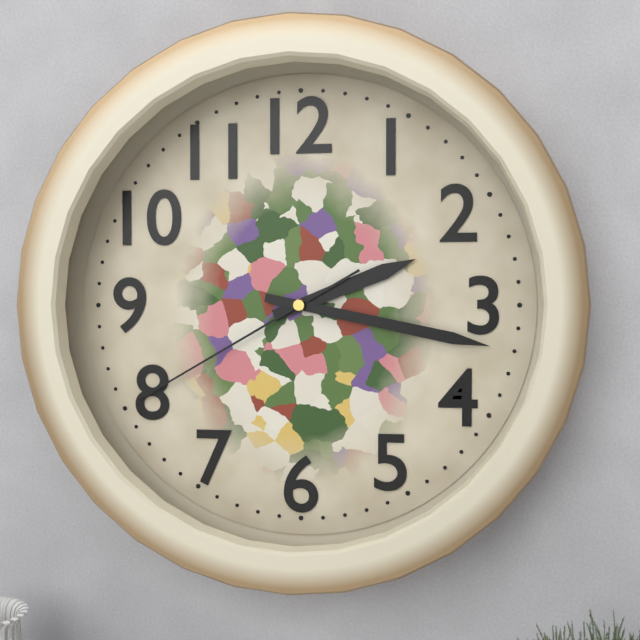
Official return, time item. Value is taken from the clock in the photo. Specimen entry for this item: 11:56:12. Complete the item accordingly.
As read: 2:17:40
